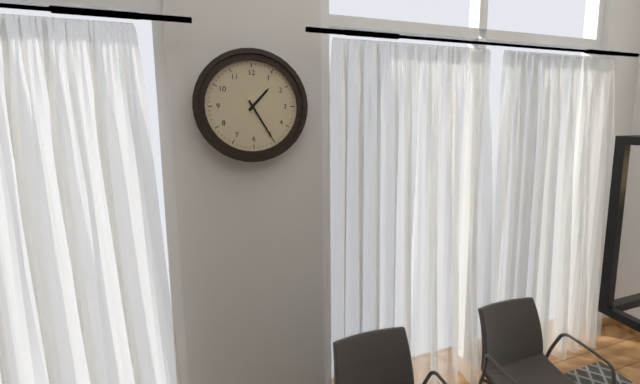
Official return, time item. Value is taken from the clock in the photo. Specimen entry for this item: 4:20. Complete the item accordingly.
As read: 1:25
